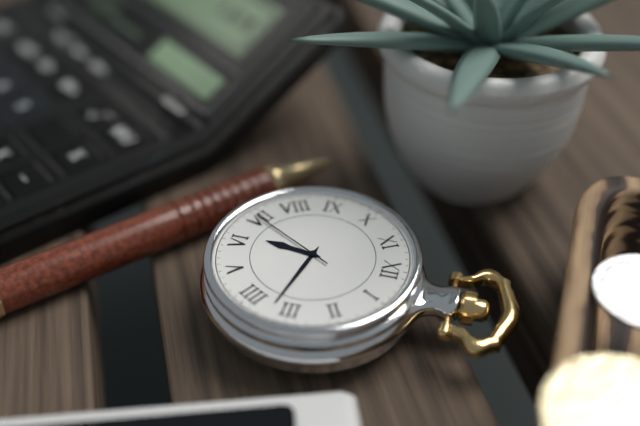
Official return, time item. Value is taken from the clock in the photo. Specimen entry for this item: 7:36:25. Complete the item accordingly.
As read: 6:17:35
